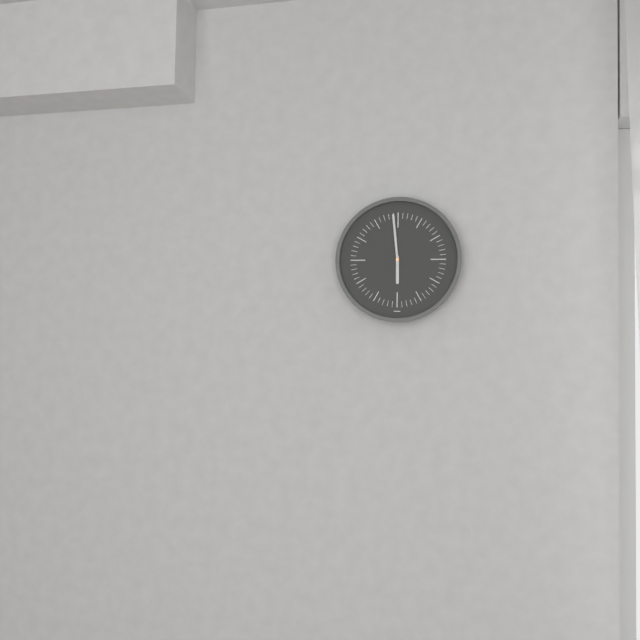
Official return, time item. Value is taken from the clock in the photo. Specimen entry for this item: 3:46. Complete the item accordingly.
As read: 5:59
